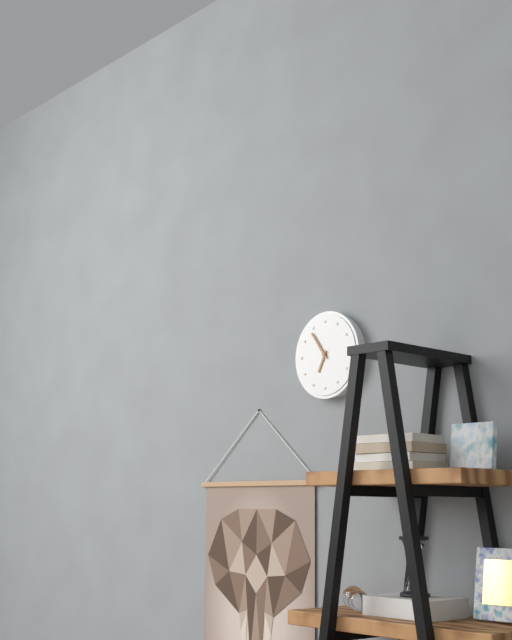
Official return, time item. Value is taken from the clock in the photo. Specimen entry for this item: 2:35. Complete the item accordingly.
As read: 6:54
